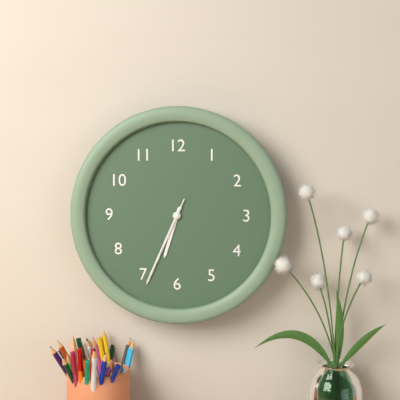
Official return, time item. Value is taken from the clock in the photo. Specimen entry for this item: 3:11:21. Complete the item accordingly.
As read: 6:34:34
